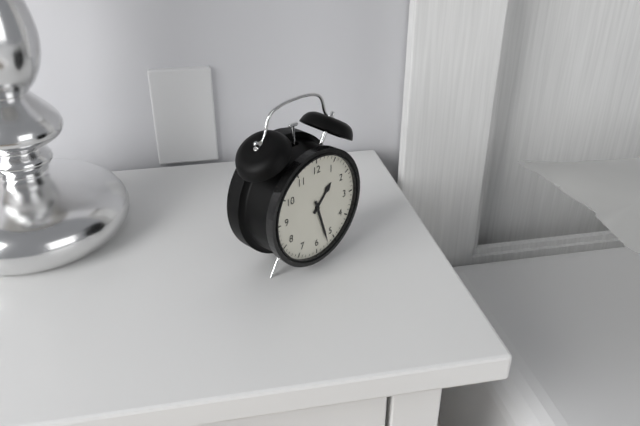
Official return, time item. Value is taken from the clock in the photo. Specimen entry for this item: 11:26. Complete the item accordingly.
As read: 1:27
